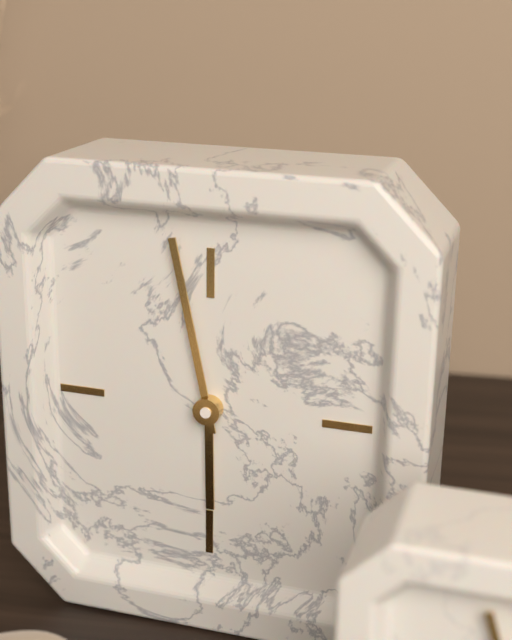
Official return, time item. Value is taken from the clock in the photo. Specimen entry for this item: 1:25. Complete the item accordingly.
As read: 5:58
